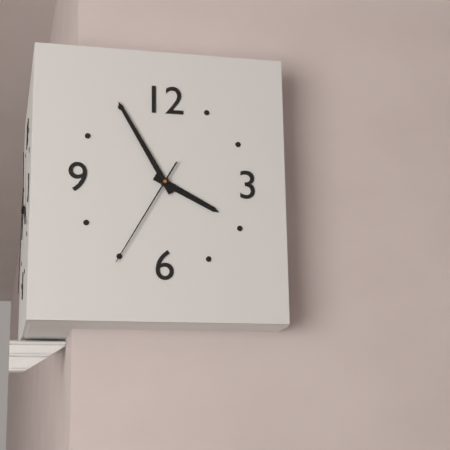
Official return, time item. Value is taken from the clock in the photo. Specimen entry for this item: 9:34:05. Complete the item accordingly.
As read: 3:55:35
